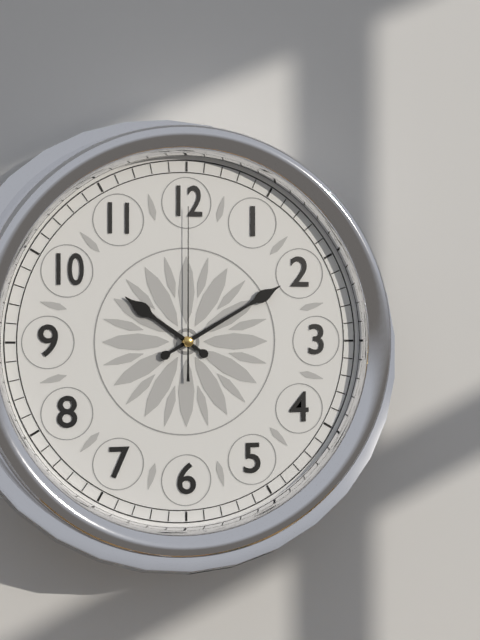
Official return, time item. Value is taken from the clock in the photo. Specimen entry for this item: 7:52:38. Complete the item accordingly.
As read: 10:10:00
